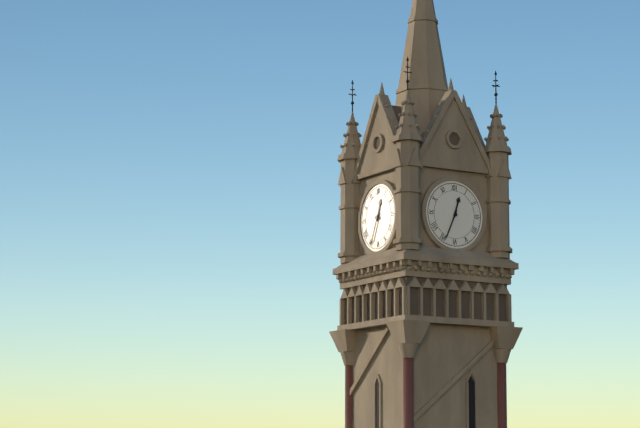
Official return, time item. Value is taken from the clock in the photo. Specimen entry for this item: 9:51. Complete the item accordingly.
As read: 12:34
